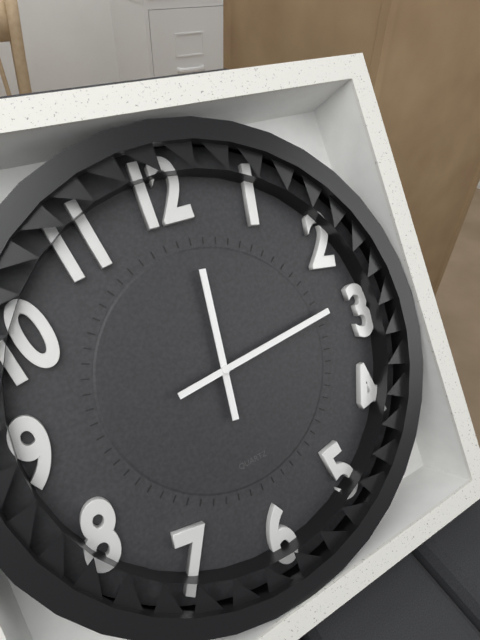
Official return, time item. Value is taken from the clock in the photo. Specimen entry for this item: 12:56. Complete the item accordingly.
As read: 12:14
